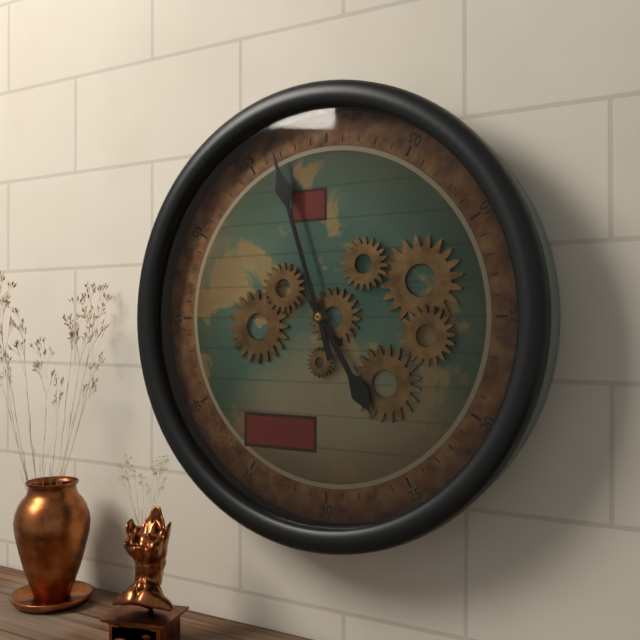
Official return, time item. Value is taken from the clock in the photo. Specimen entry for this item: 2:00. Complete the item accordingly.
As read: 4:57
